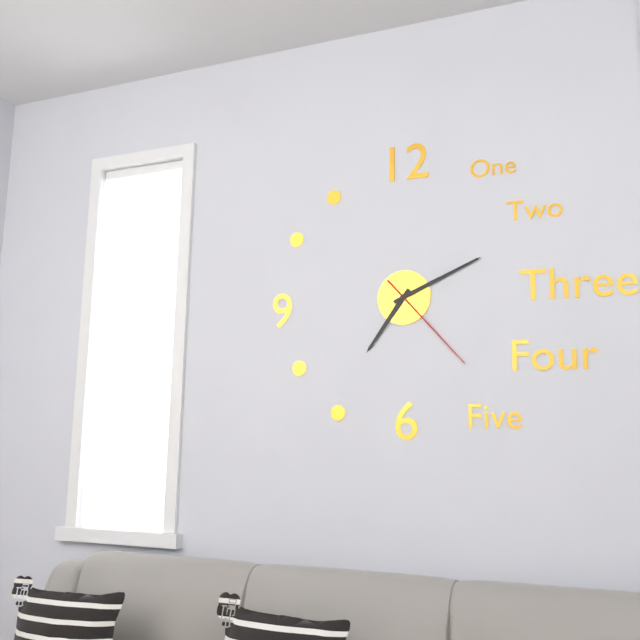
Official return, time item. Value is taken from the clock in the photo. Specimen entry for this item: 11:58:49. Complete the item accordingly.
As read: 7:11:23
